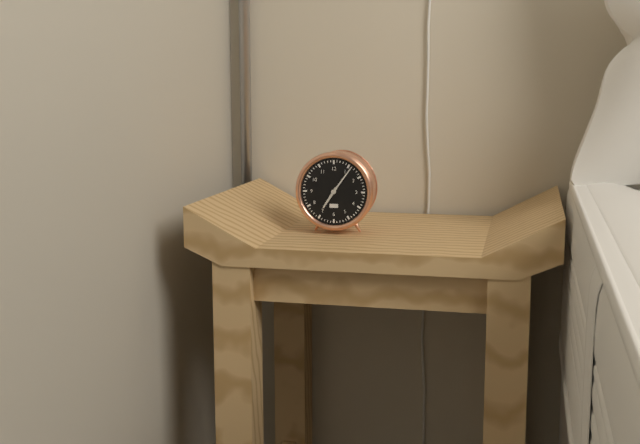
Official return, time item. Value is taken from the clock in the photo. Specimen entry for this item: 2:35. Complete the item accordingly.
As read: 7:06
